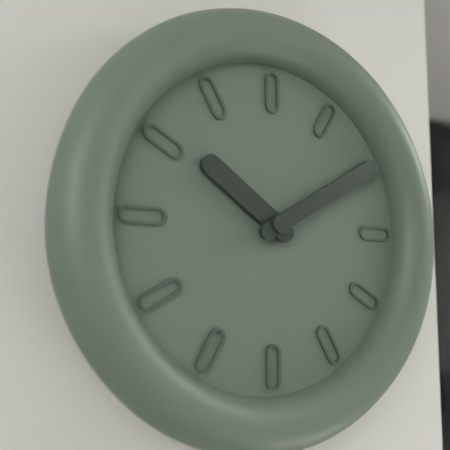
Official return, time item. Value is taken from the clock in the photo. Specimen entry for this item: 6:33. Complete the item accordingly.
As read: 10:10
